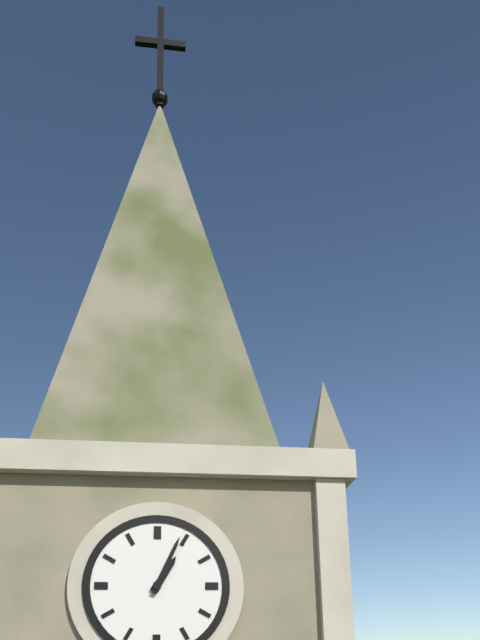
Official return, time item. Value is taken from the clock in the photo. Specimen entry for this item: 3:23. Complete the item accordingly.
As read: 1:04
